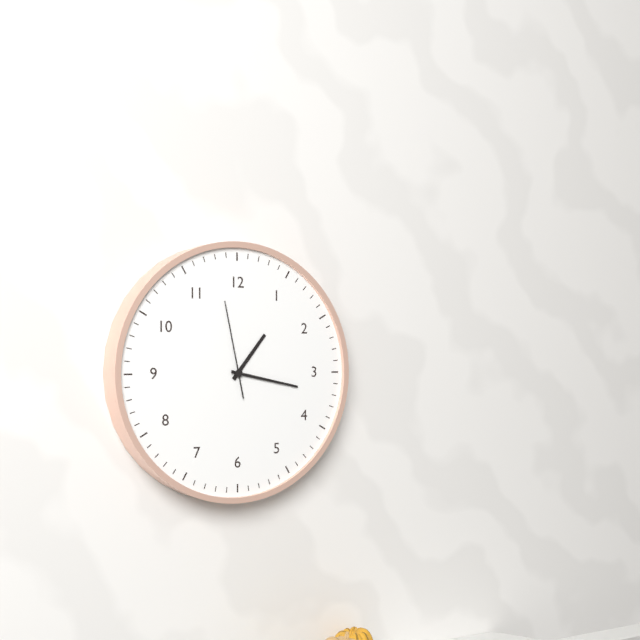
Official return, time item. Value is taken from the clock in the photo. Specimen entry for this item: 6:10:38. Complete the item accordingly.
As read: 1:17:58
